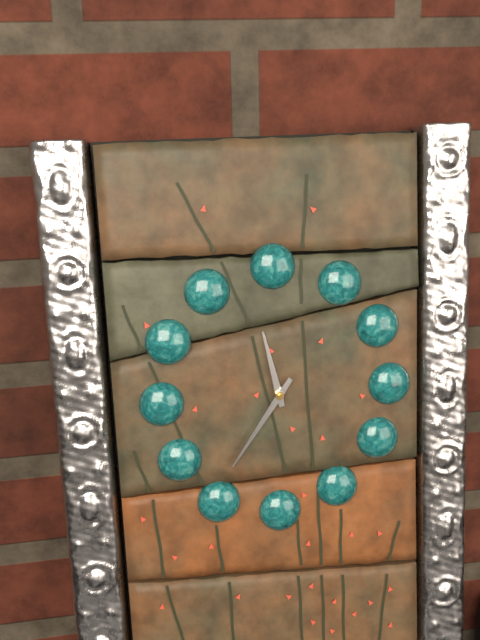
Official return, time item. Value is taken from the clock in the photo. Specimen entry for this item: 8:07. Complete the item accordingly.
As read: 11:36
